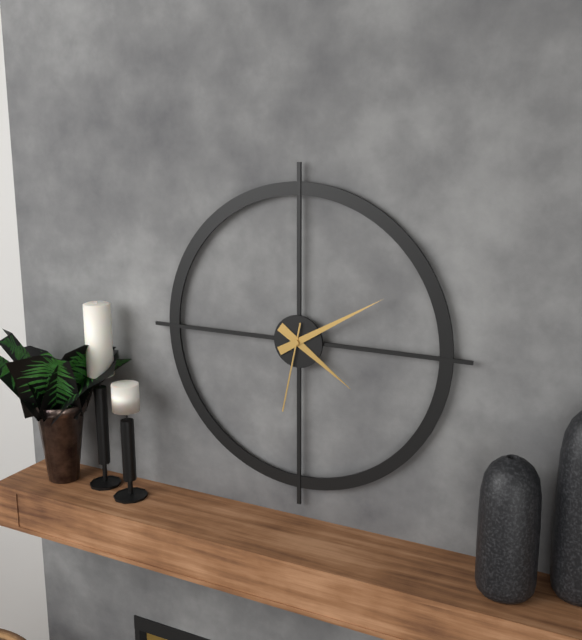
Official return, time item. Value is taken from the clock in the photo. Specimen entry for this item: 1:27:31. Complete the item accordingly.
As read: 4:10:32
